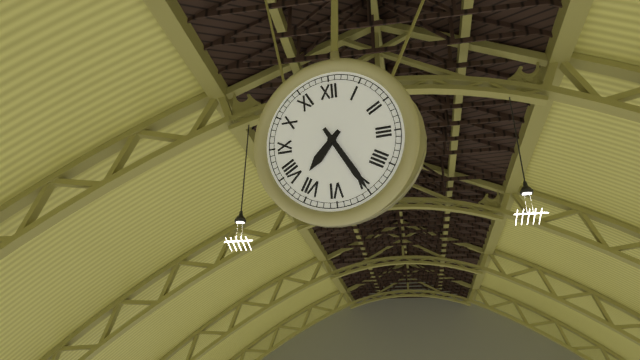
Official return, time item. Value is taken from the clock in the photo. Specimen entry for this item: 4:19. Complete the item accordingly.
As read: 7:25
